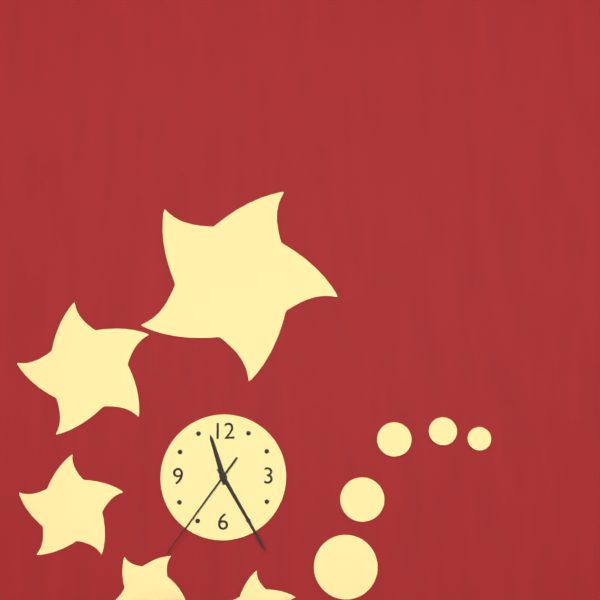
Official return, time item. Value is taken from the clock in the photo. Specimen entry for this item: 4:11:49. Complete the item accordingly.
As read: 11:25:36
